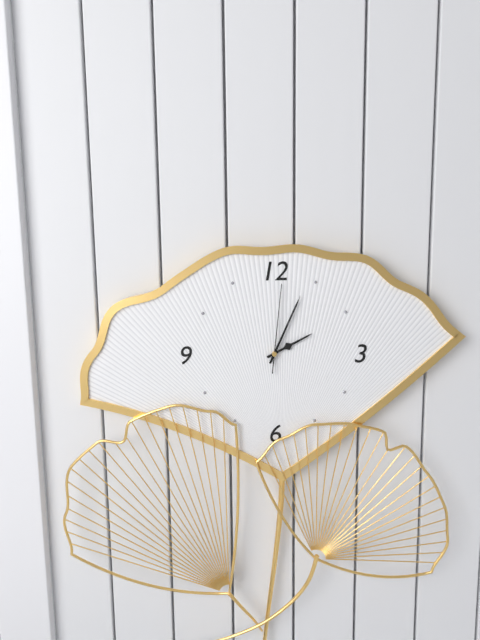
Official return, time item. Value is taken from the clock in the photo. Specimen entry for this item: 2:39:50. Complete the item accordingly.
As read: 2:04:01
